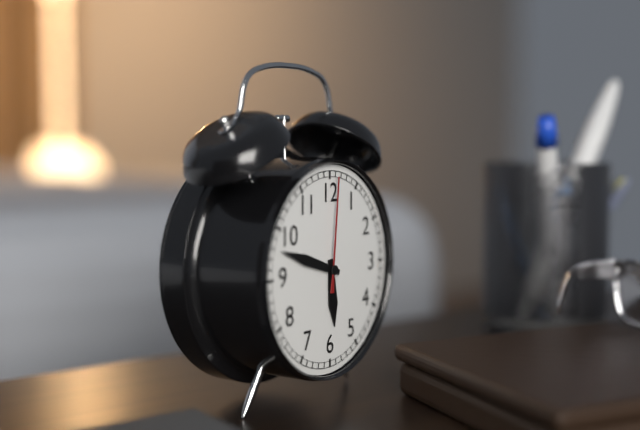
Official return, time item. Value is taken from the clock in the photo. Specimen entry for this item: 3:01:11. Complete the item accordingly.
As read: 5:48:01
